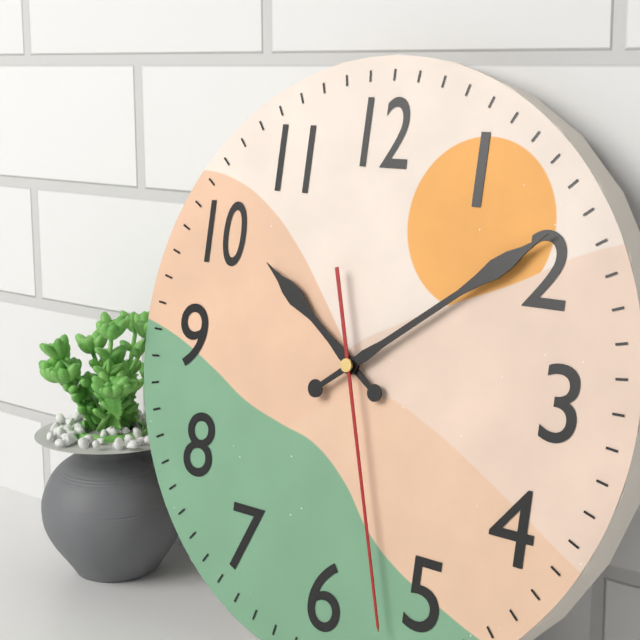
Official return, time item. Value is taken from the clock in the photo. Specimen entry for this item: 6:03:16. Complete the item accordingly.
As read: 10:09:27
